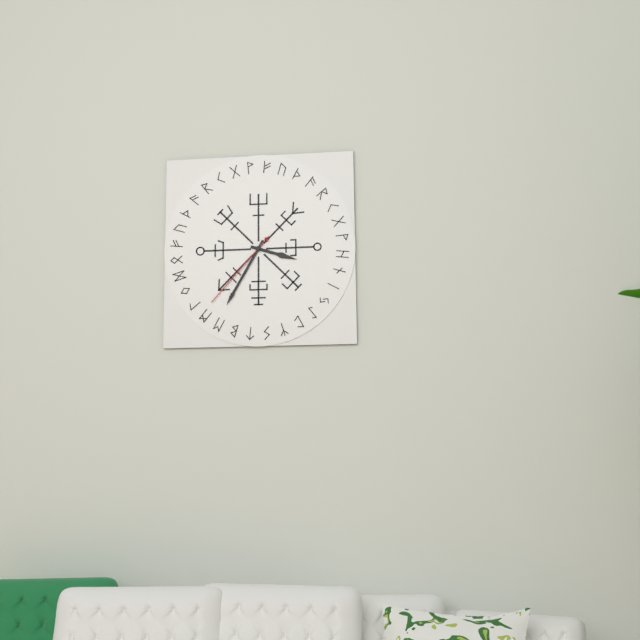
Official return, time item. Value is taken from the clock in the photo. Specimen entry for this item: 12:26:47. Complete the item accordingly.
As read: 3:35:37
